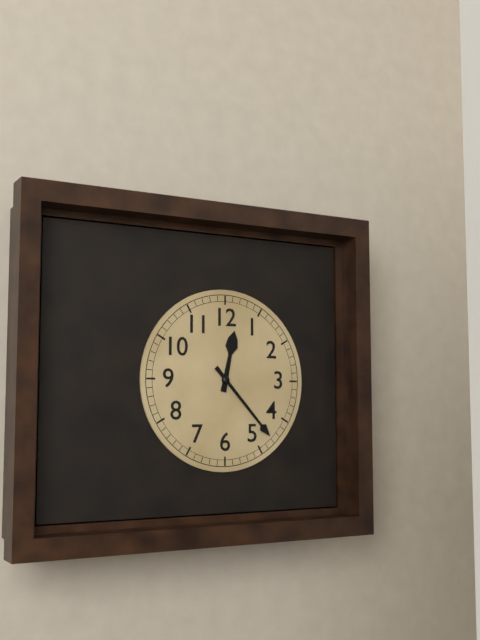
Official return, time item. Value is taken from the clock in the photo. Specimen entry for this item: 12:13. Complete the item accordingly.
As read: 12:23
